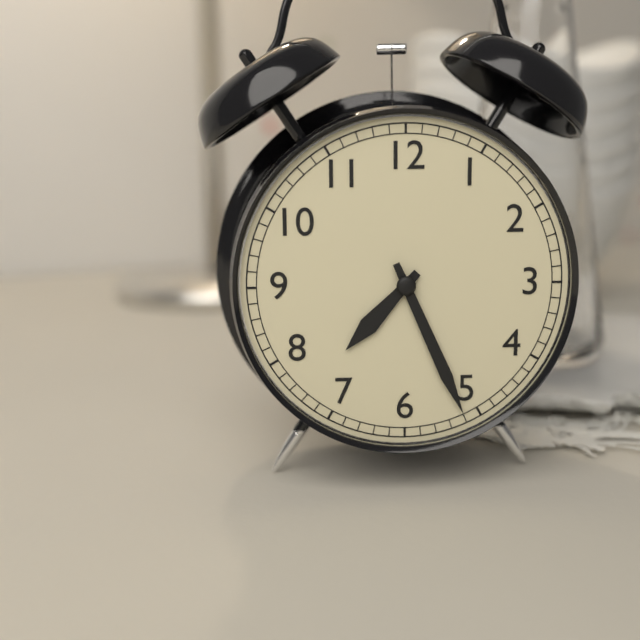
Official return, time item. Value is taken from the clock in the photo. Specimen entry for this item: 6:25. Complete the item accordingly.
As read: 7:26
